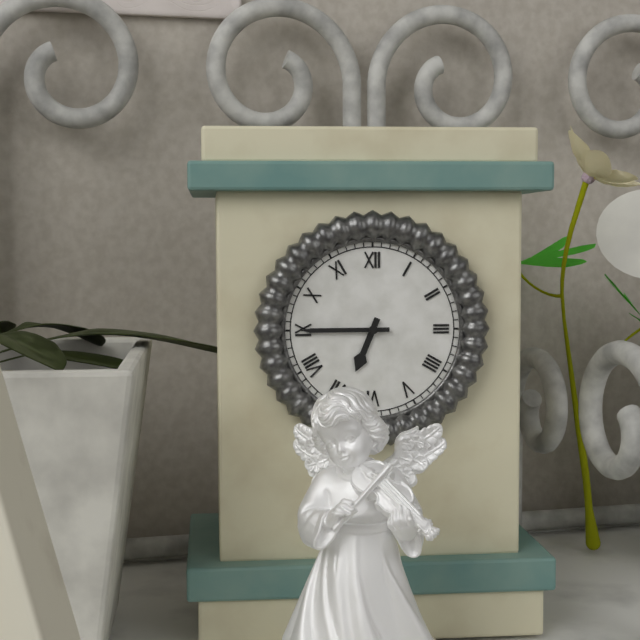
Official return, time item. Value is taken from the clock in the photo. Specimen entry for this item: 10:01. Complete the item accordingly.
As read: 6:45
